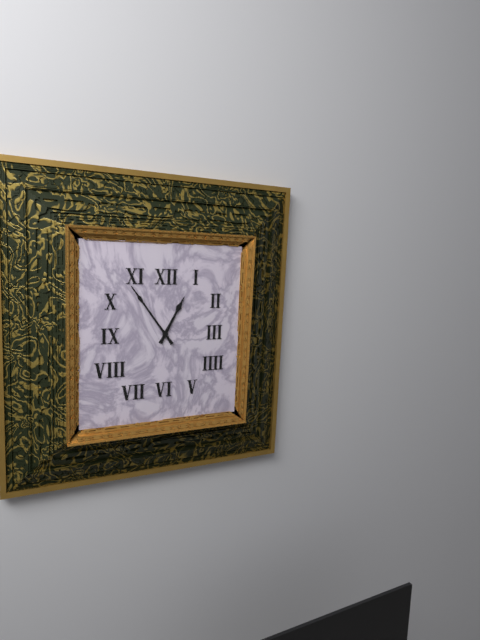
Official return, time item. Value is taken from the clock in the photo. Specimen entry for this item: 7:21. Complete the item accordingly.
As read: 12:54
